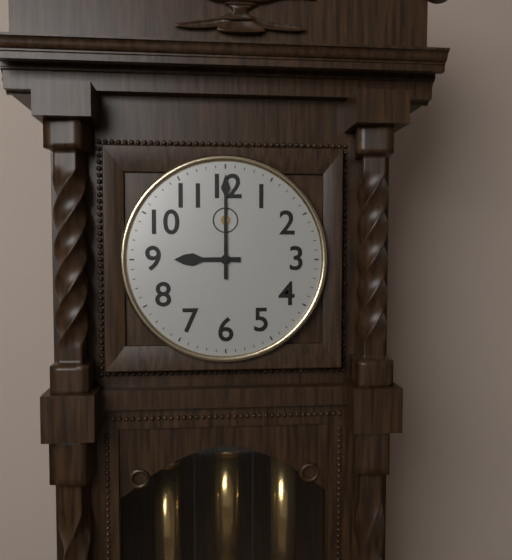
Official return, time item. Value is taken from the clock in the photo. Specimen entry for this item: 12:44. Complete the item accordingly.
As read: 9:00
